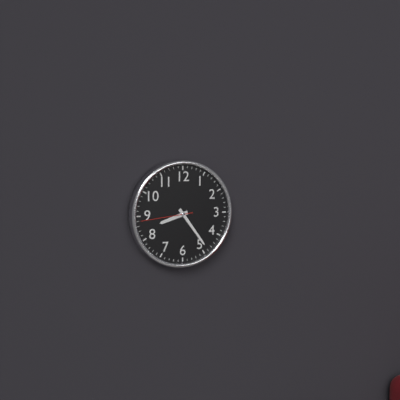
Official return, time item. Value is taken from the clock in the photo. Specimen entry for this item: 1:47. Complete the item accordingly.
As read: 8:24
